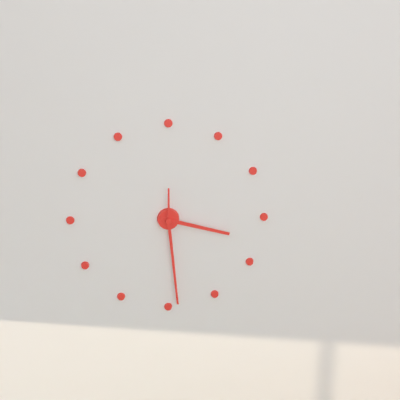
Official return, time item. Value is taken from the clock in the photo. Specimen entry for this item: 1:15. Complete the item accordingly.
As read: 3:29
